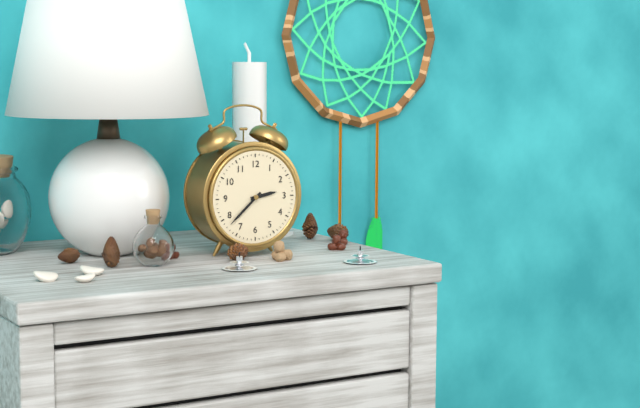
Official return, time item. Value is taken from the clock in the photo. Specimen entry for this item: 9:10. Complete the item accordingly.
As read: 2:38
